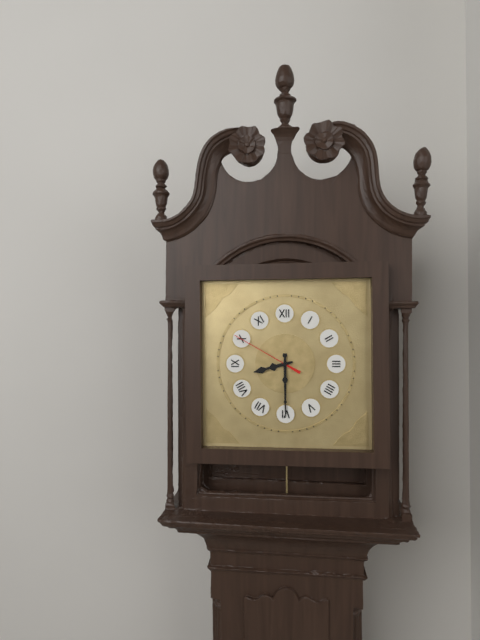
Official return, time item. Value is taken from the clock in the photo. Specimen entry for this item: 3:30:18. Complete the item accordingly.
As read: 8:30:50
